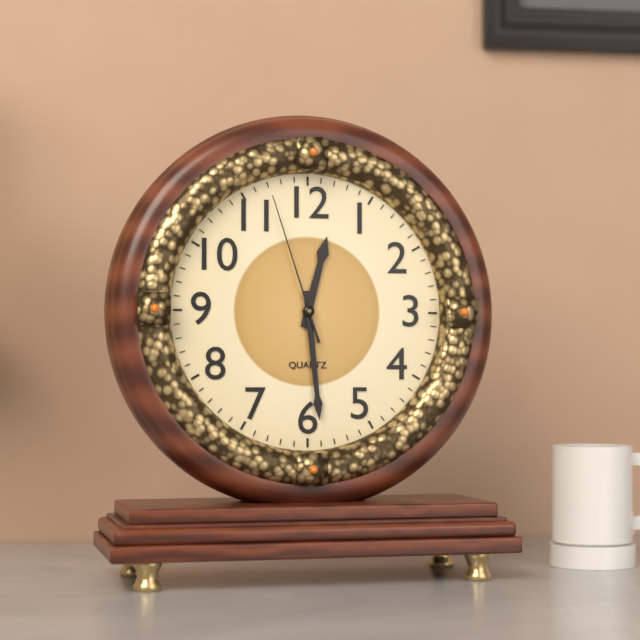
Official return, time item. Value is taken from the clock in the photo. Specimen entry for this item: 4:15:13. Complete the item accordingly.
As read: 12:29:57
